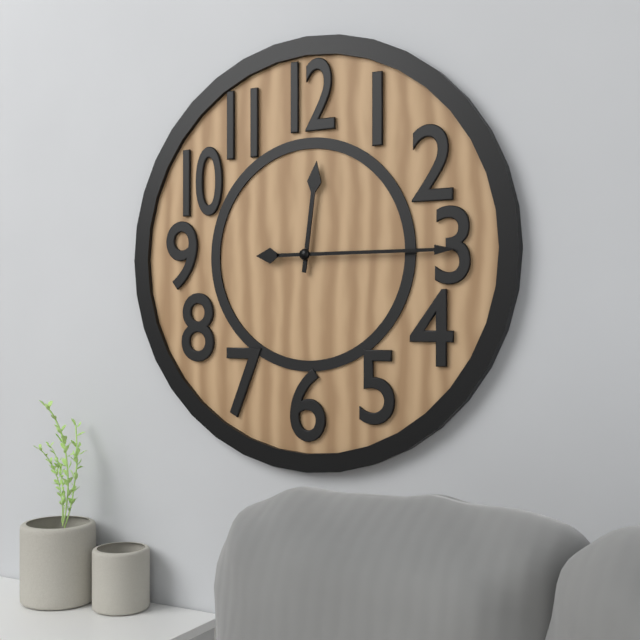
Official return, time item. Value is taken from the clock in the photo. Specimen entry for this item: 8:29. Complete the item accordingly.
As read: 12:15
